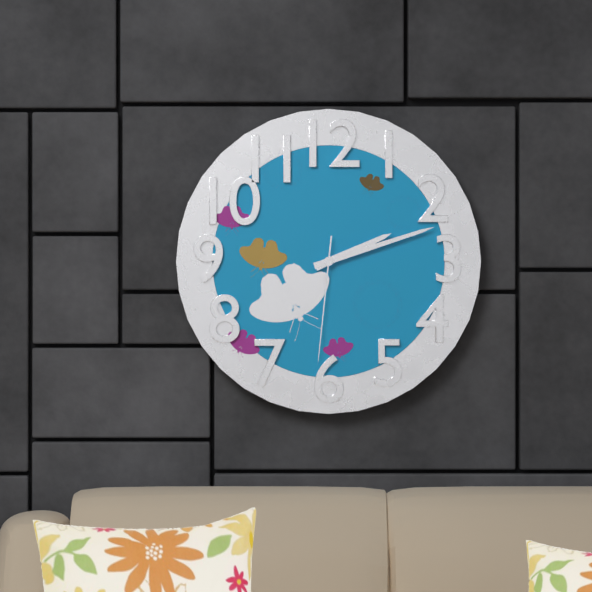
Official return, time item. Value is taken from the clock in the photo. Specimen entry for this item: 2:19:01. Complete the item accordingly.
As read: 2:12:31
